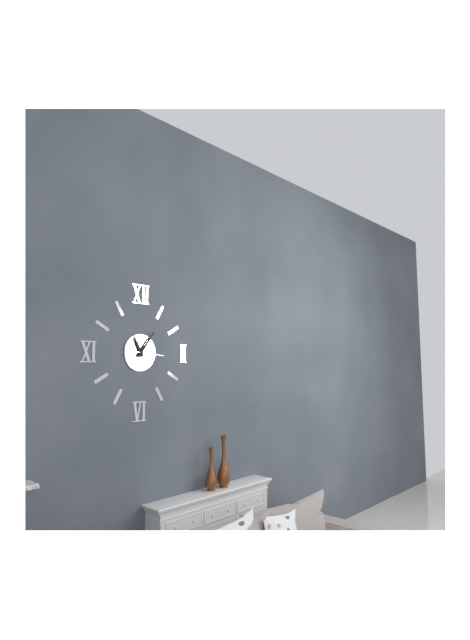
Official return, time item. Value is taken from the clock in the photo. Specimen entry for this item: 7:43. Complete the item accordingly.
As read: 11:06
